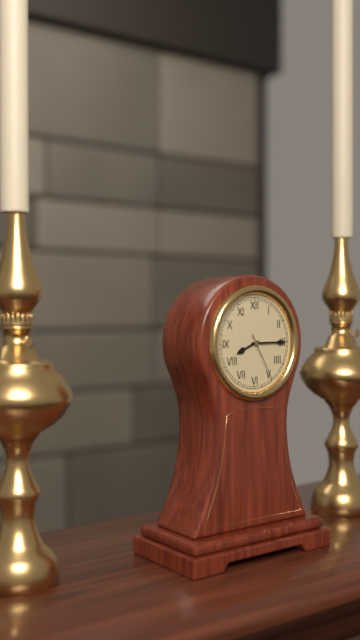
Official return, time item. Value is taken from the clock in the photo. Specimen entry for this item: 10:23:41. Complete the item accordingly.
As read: 8:15:25
